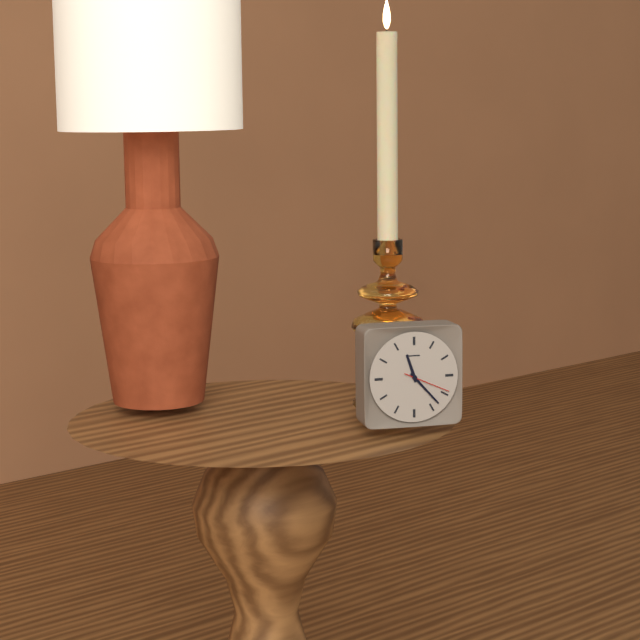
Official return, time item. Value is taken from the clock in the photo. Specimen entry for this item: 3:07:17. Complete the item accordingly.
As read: 11:23:19
